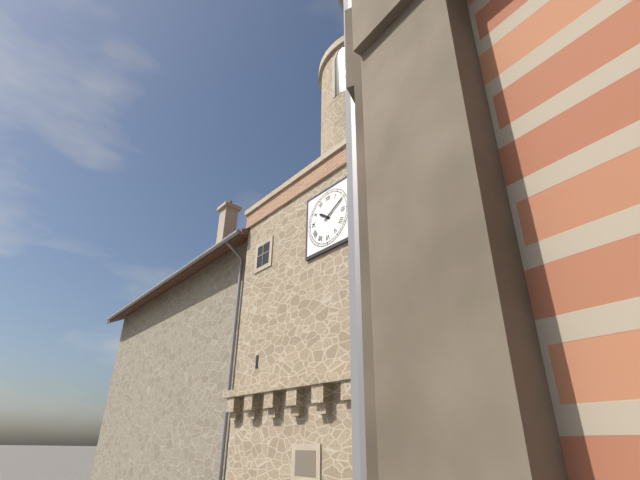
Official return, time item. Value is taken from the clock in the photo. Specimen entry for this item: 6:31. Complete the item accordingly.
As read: 10:10
